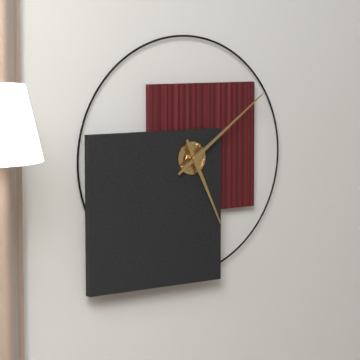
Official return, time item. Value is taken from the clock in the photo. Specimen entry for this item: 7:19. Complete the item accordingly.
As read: 5:09
